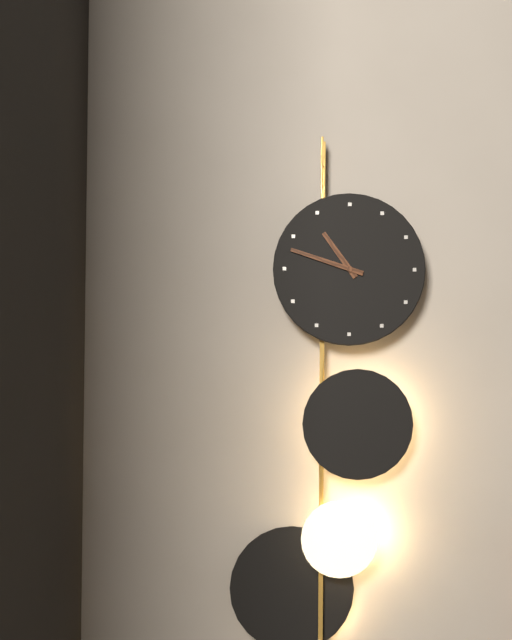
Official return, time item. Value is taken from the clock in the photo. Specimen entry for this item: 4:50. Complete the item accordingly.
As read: 10:48
